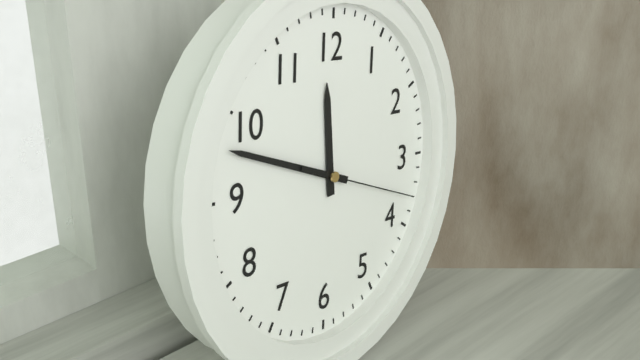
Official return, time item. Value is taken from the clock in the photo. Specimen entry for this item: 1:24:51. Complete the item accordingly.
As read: 11:48:18
